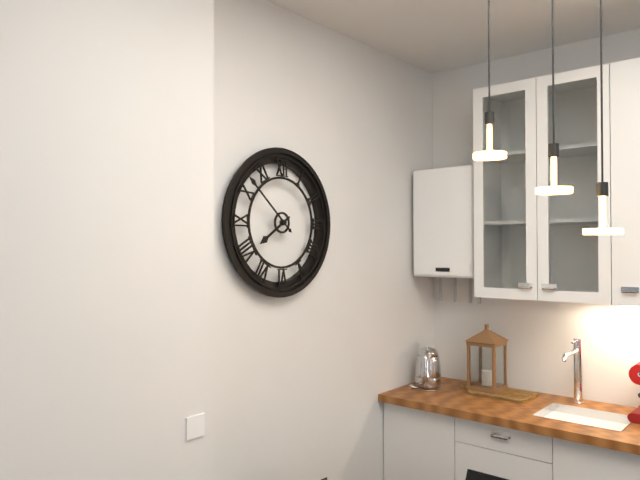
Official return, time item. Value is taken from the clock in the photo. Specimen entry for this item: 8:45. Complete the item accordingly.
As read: 7:52
